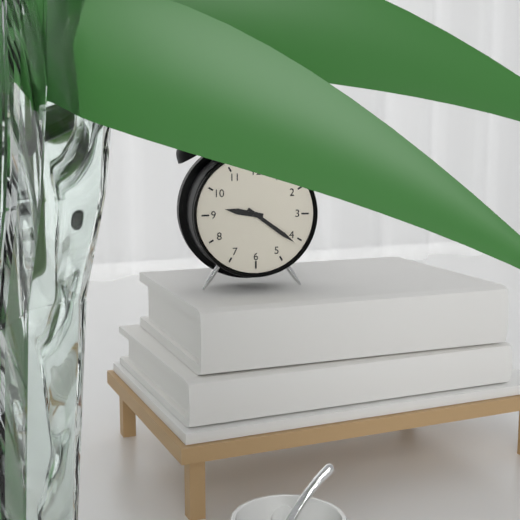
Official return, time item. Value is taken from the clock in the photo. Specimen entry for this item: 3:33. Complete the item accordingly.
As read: 9:21
